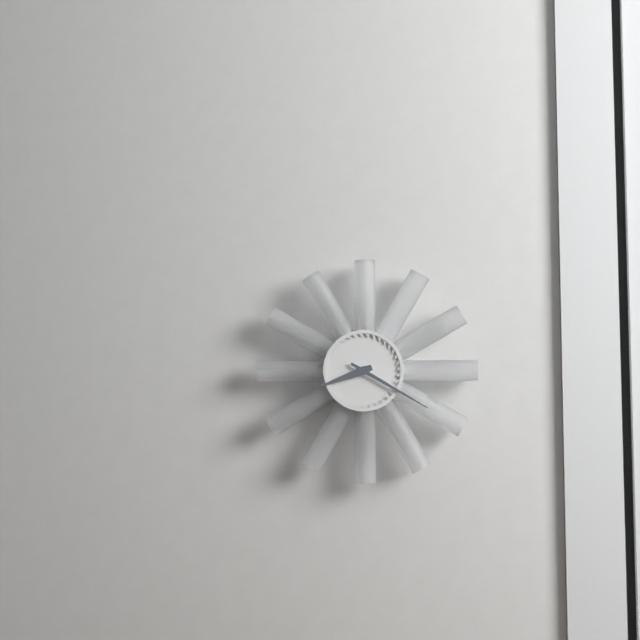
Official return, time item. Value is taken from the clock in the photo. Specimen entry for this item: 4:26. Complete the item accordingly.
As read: 8:20
